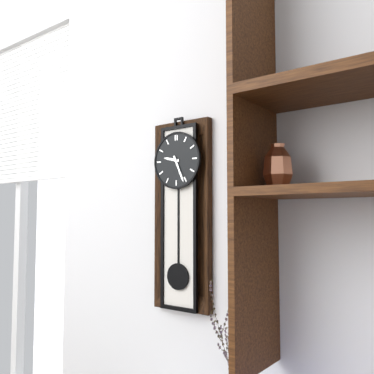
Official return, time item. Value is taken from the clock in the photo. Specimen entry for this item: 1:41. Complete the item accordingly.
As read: 9:26
